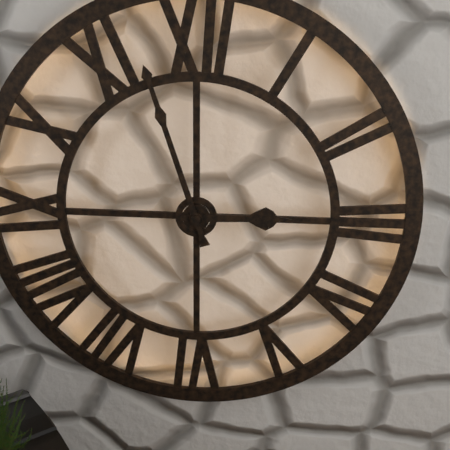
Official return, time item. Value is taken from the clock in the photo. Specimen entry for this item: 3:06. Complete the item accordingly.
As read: 2:57
